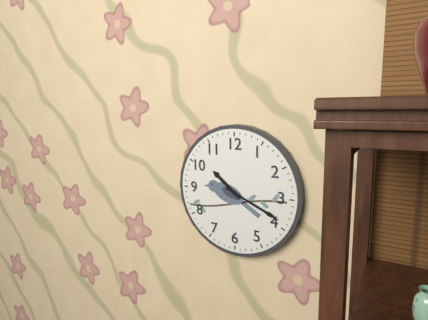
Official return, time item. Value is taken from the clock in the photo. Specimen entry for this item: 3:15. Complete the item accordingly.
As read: 10:19
